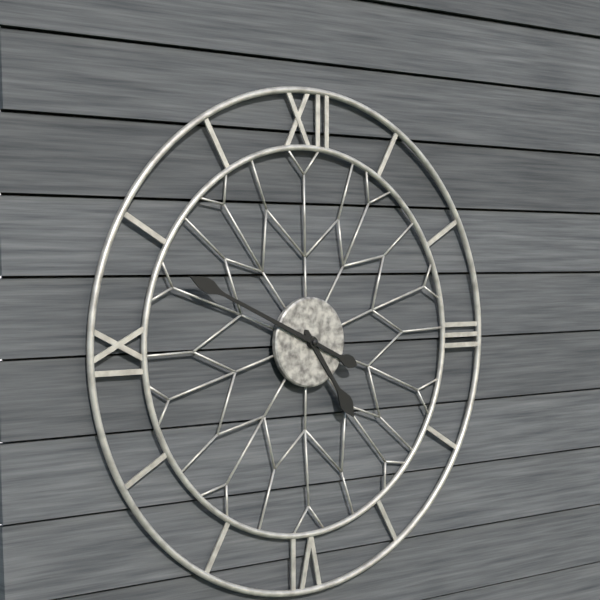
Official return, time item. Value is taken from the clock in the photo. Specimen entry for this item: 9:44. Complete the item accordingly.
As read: 4:49
